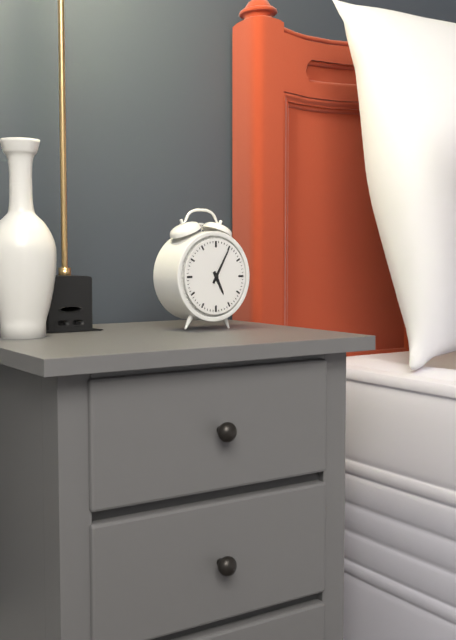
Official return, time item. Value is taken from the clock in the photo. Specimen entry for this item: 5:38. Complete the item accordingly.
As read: 5:05
